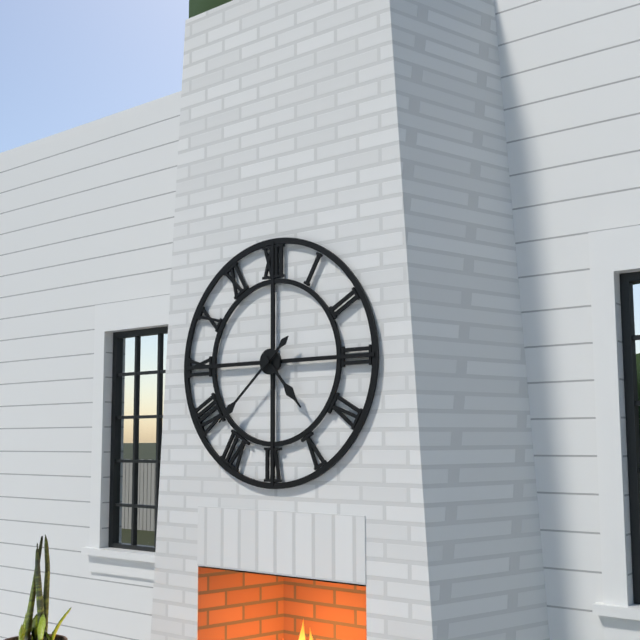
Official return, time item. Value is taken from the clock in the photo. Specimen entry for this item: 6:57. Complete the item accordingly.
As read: 4:38
